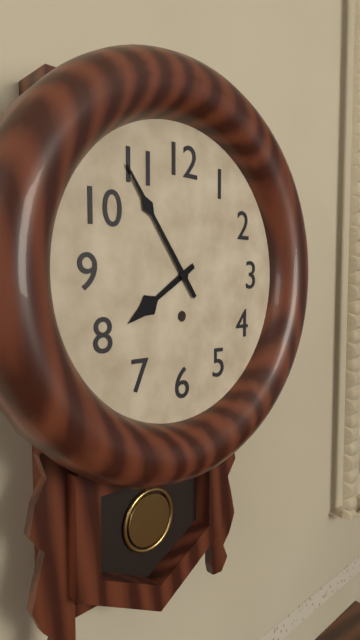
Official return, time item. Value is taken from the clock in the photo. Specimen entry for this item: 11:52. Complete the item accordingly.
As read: 7:54
